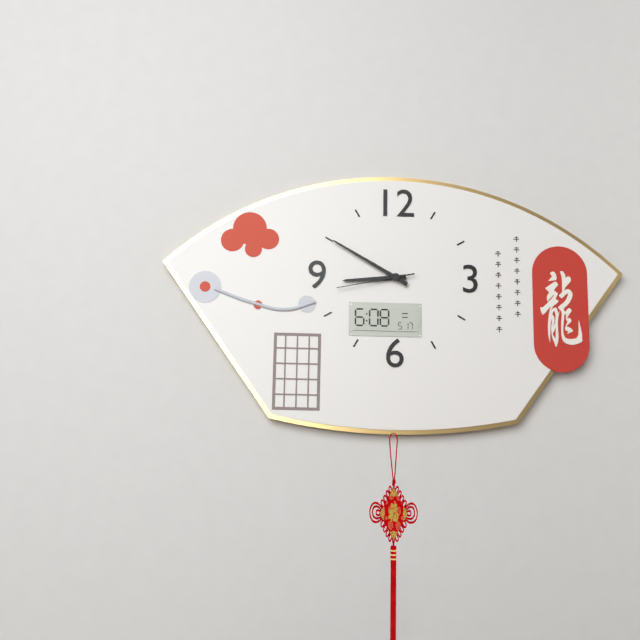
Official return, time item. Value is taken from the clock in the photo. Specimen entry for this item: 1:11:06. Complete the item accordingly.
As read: 8:50:43
